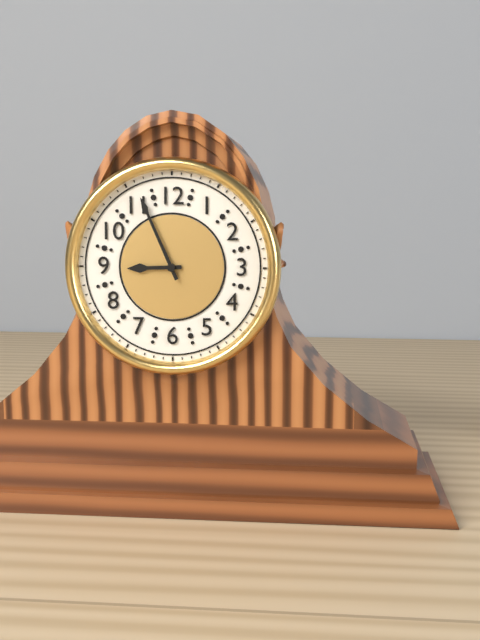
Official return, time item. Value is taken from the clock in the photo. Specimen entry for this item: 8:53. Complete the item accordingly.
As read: 8:56
